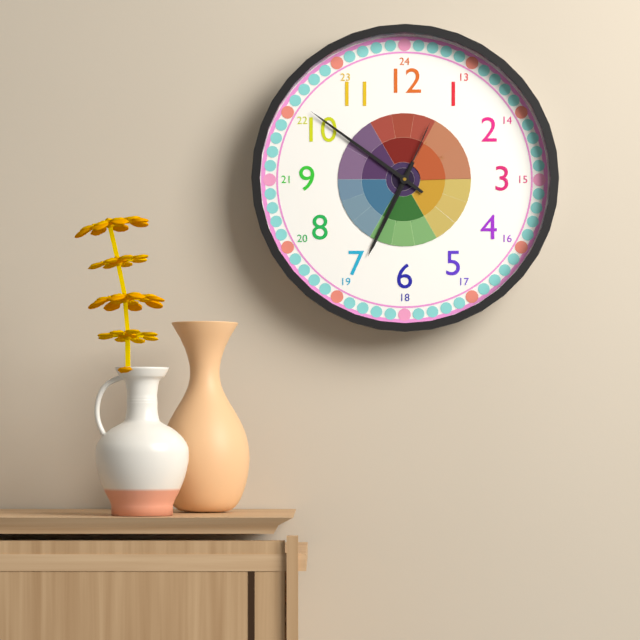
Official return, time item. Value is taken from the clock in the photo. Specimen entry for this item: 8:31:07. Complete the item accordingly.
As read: 6:51:04
